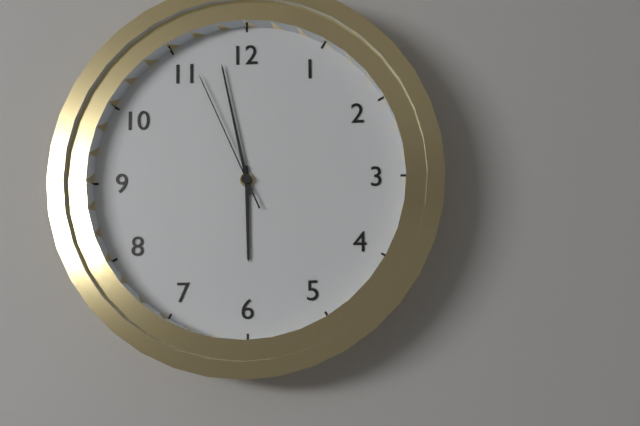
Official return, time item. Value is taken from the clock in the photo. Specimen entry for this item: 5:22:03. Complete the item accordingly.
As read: 5:58:56
